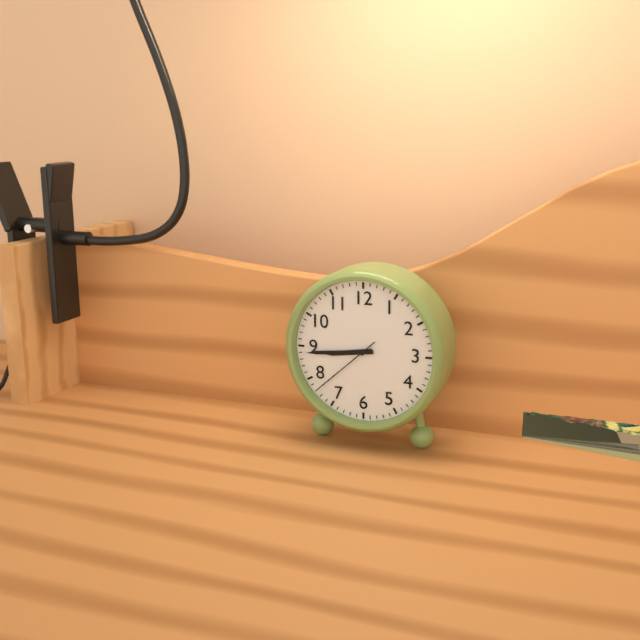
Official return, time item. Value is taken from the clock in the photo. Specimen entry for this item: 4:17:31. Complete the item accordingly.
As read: 8:44:38
